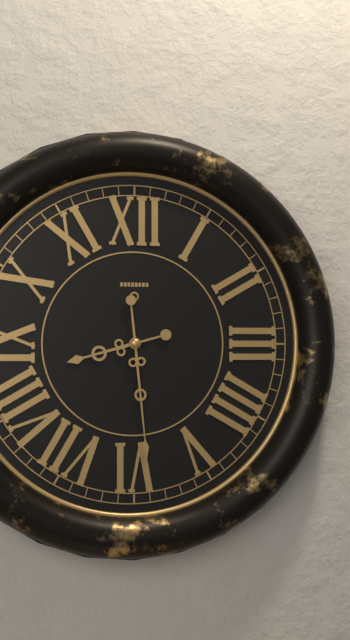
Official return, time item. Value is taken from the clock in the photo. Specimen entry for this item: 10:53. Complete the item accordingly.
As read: 8:29
